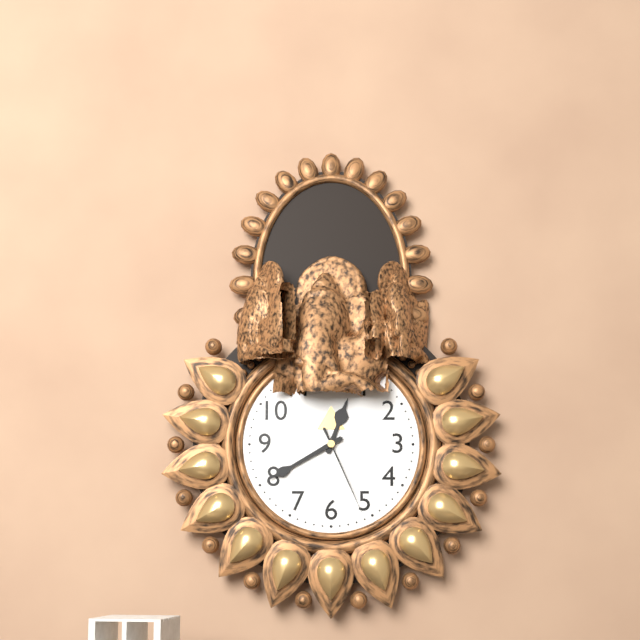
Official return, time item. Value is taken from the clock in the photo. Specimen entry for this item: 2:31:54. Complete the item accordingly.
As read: 12:40:26
